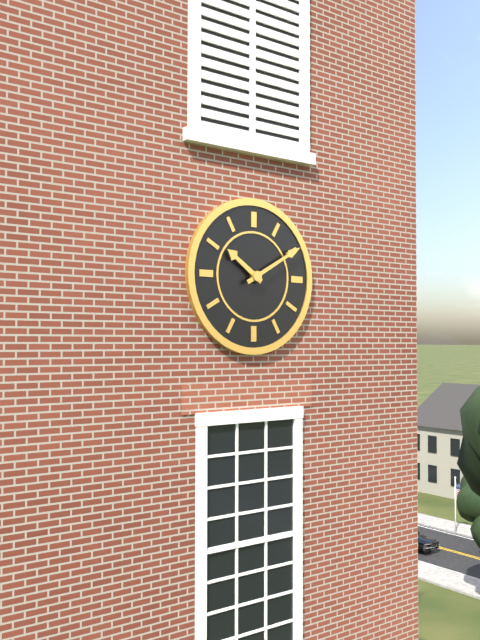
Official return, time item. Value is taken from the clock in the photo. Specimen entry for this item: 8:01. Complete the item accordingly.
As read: 10:10
